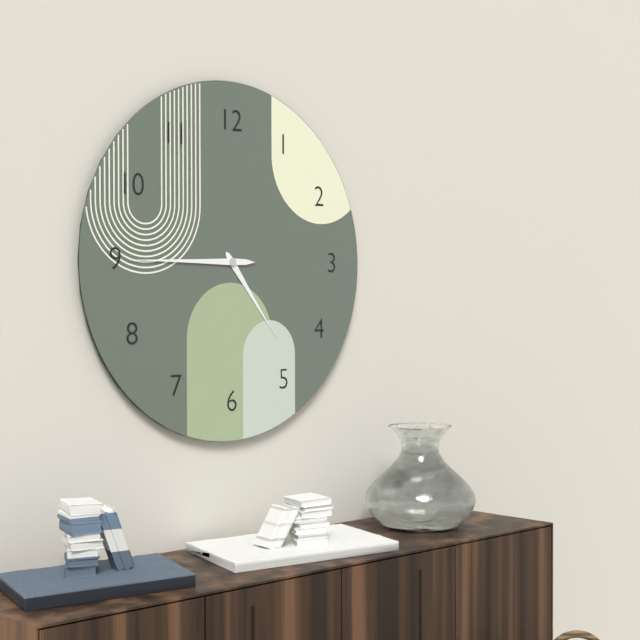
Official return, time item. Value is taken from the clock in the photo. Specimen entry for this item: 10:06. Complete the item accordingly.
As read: 4:45
